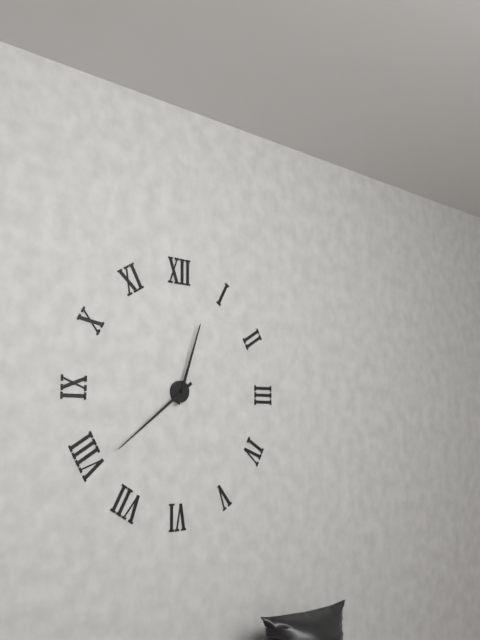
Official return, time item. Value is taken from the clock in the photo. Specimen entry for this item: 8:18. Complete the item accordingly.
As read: 12:39
